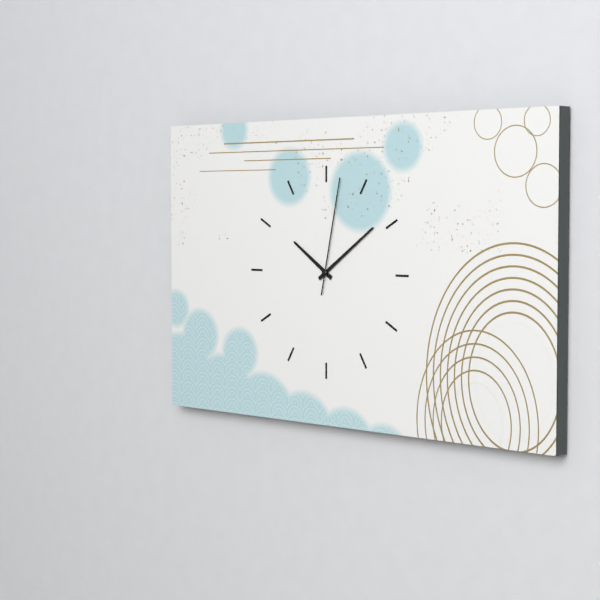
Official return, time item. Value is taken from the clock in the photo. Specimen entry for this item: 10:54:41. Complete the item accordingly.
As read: 10:09:02
